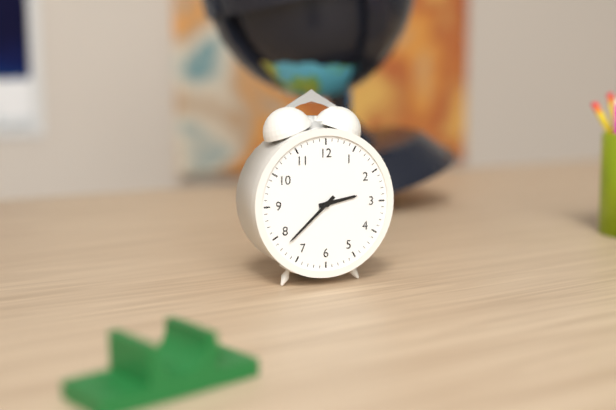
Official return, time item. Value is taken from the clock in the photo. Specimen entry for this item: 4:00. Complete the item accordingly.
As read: 2:38
